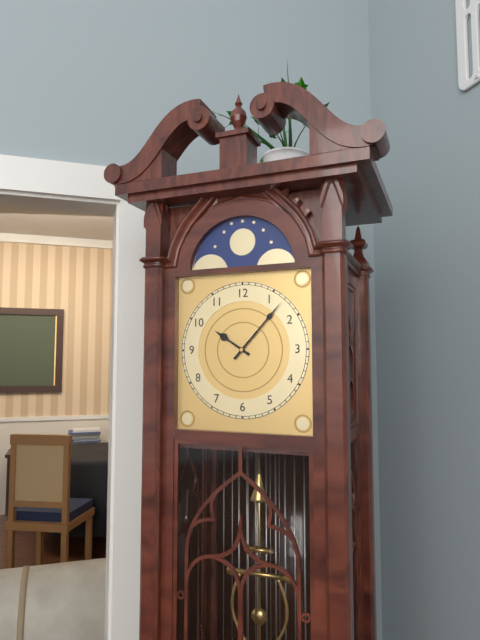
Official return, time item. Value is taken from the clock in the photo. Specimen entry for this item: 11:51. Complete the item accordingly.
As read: 10:07
